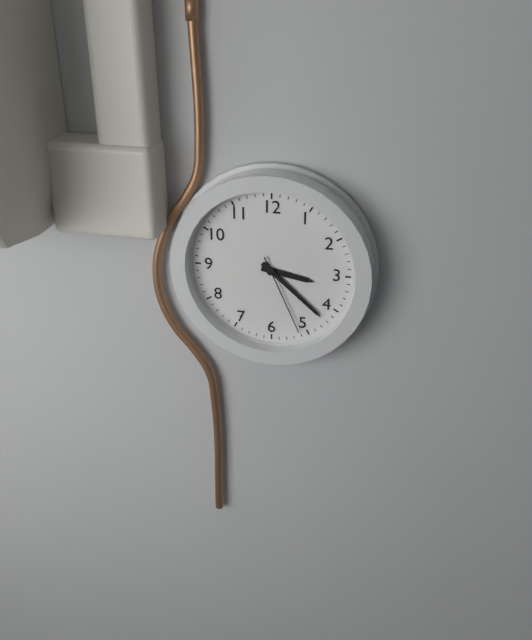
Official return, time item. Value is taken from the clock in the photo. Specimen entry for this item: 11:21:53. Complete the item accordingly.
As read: 3:22:26
